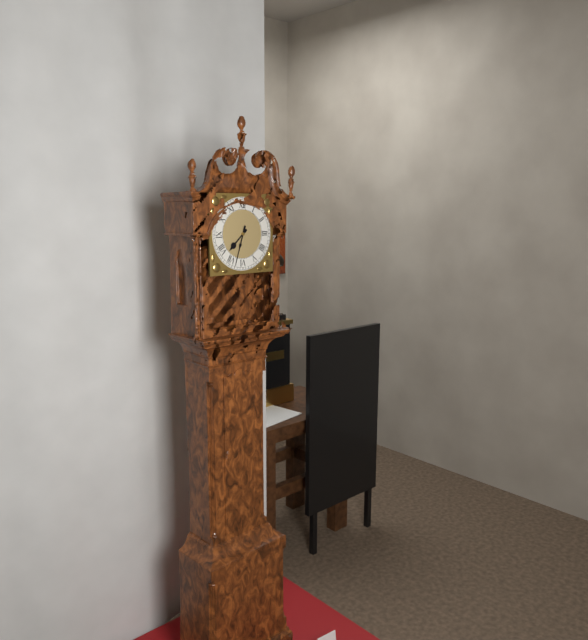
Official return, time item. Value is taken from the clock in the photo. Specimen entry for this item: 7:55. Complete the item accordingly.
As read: 7:33
